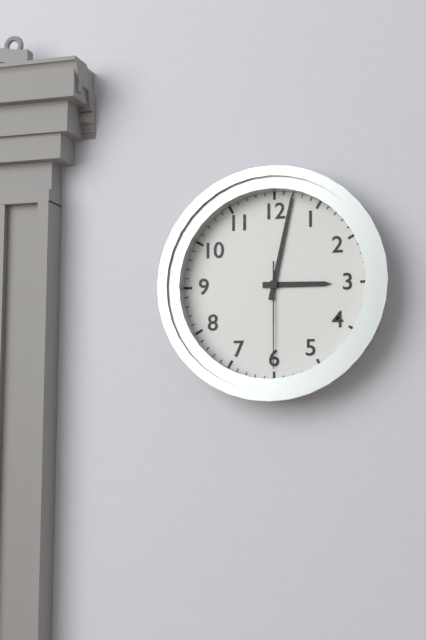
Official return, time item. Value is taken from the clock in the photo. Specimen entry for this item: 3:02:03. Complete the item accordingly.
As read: 3:02:30
